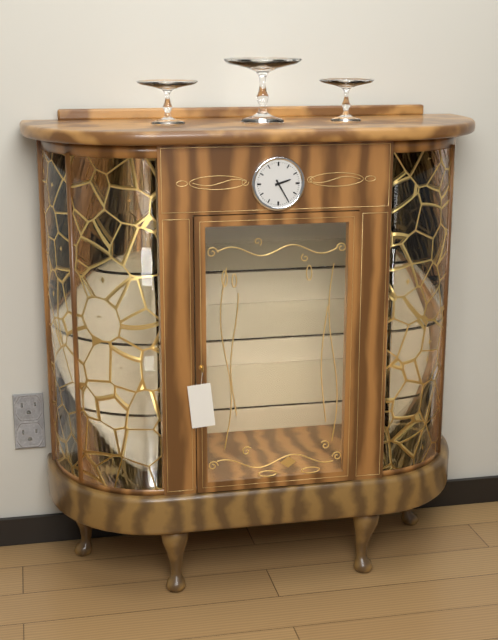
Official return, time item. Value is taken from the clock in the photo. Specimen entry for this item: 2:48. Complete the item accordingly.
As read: 2:25
